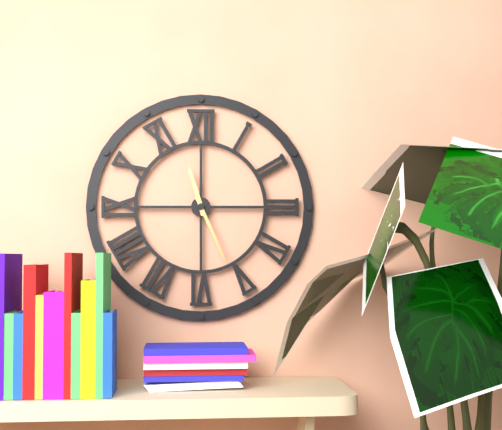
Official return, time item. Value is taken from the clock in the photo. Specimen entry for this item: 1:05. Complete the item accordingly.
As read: 11:26
